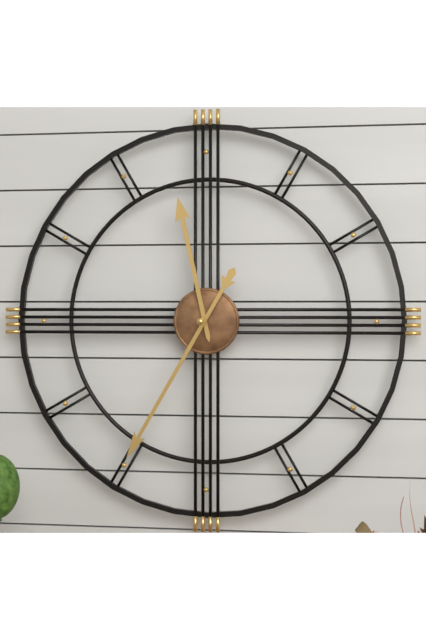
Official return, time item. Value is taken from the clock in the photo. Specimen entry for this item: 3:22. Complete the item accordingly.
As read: 11:35
